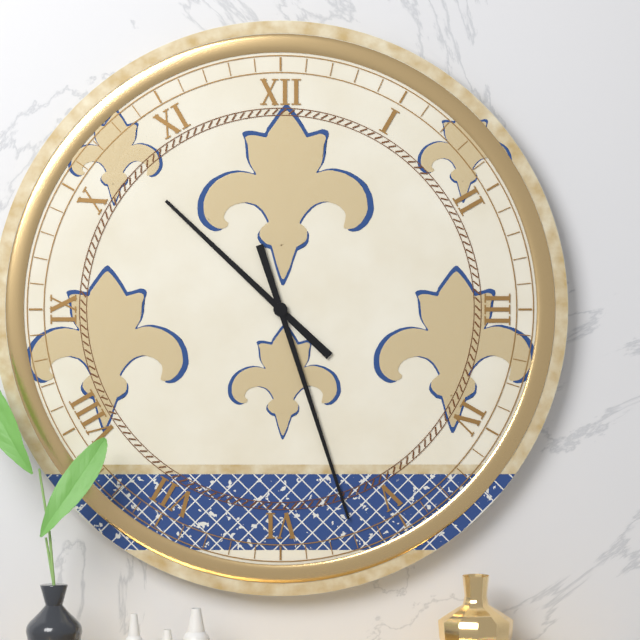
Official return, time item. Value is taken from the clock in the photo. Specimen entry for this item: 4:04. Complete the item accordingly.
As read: 10:27
